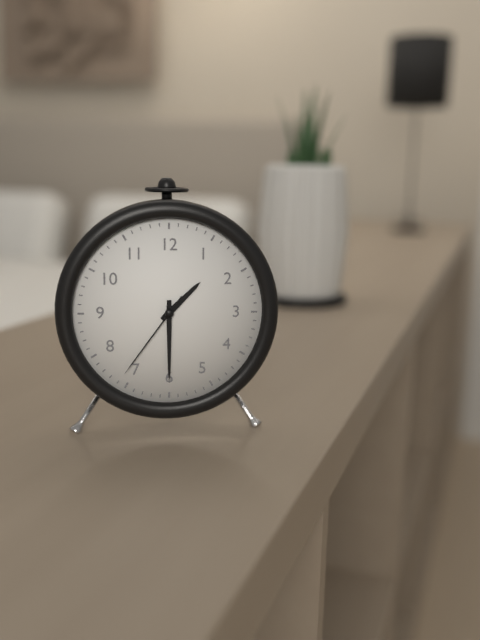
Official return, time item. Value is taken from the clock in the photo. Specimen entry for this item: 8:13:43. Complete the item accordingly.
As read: 1:30:36
